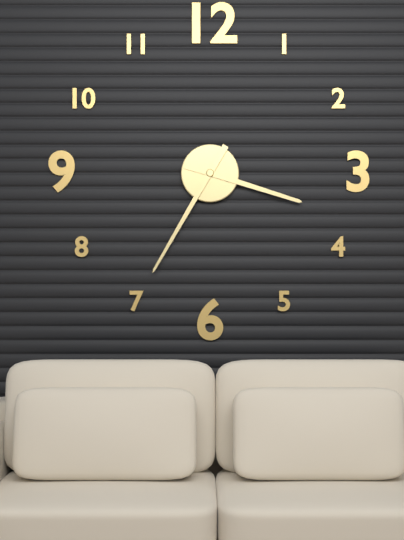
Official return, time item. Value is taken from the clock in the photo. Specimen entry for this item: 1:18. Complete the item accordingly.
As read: 3:35
